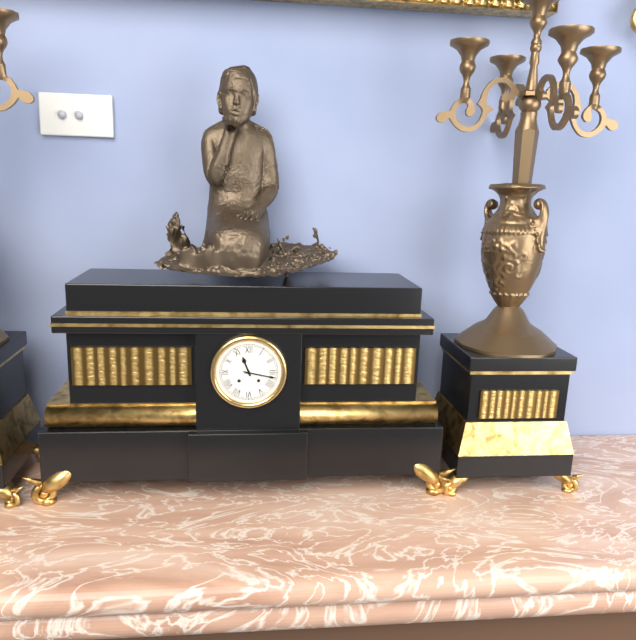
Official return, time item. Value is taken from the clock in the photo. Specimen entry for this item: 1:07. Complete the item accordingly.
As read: 11:17
